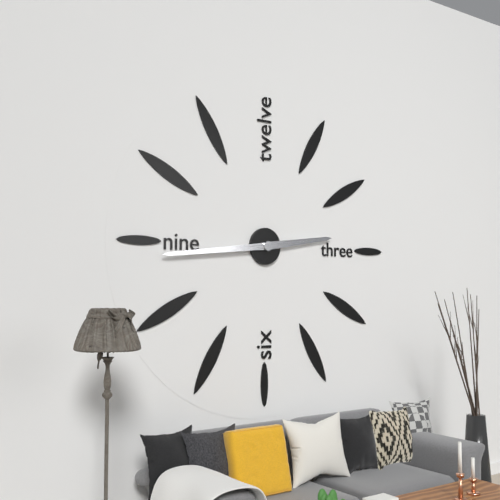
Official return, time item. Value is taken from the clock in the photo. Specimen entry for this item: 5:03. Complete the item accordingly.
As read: 2:44
